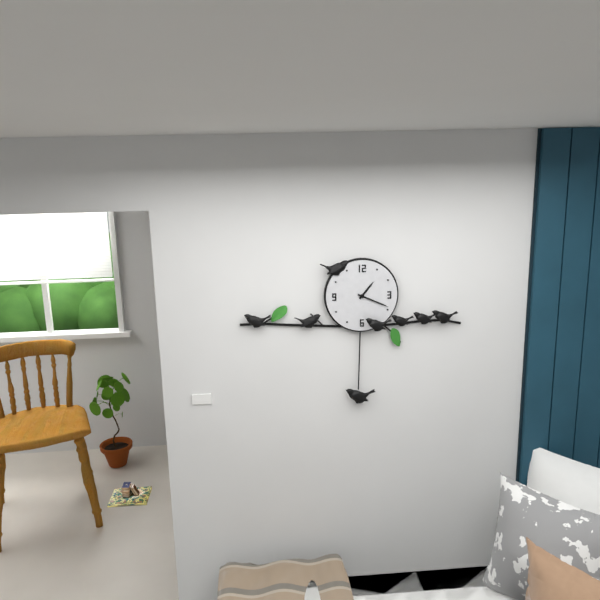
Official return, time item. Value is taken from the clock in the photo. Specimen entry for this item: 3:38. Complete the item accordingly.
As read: 1:19
